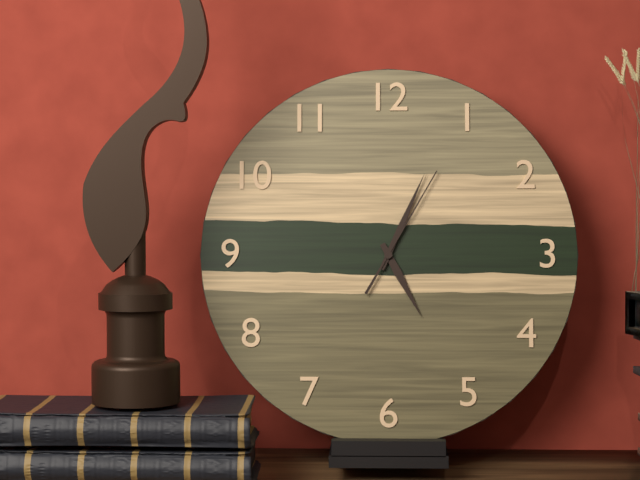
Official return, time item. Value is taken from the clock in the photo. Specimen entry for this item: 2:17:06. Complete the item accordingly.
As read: 5:04:05
